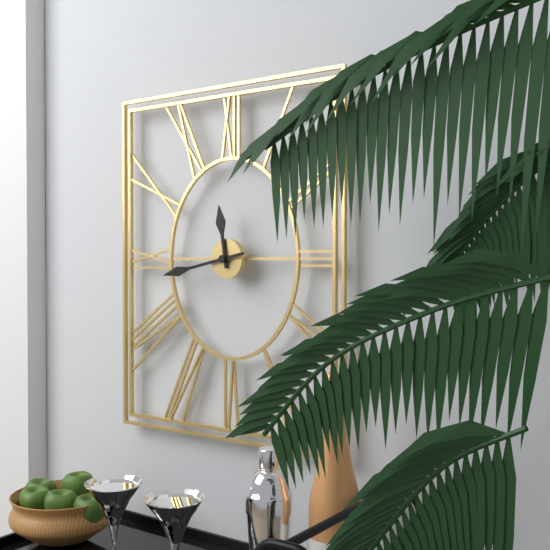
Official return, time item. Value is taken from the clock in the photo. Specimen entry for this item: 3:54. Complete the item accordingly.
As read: 11:43
